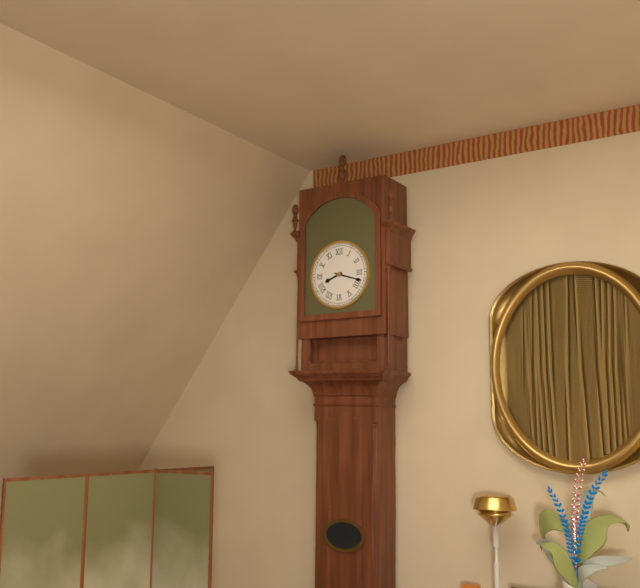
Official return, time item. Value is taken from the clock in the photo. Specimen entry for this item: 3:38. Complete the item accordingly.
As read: 8:18
